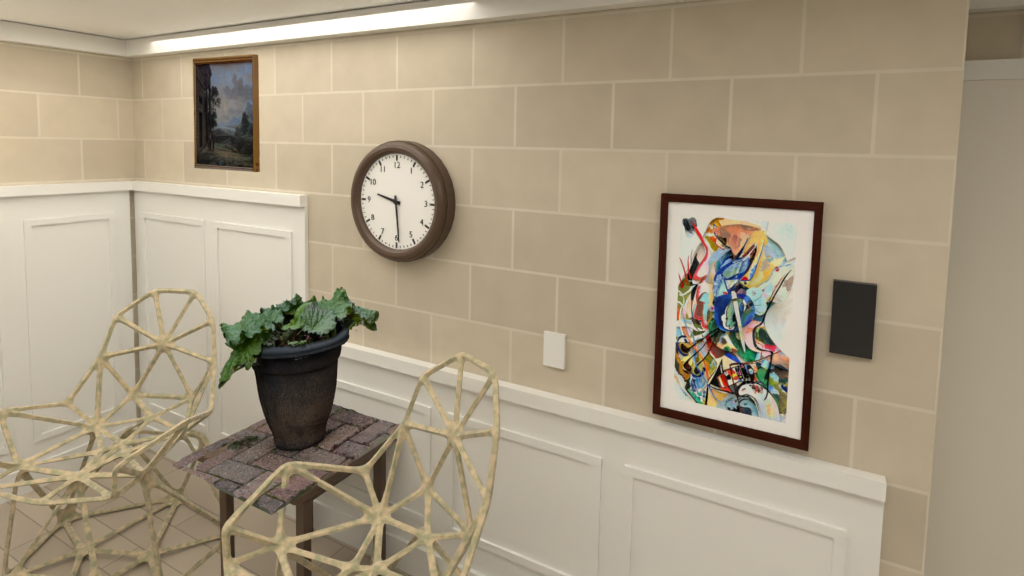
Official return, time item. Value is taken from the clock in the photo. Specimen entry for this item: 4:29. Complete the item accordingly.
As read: 9:29
